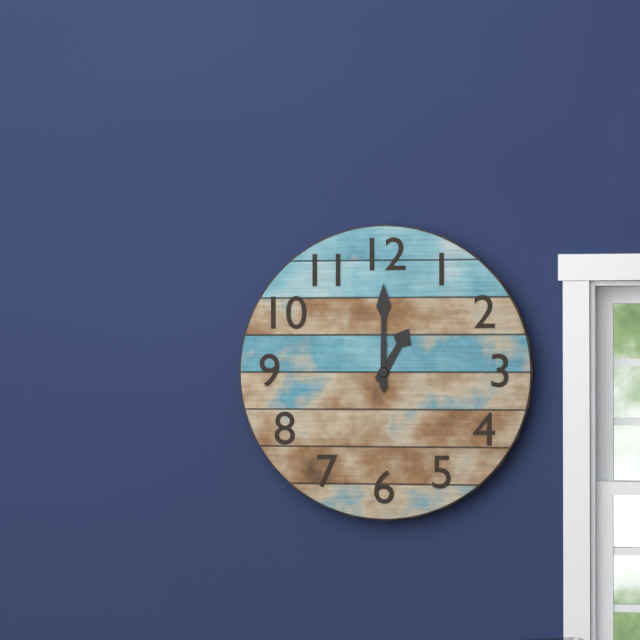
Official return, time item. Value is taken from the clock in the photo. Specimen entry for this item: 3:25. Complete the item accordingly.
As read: 1:00
